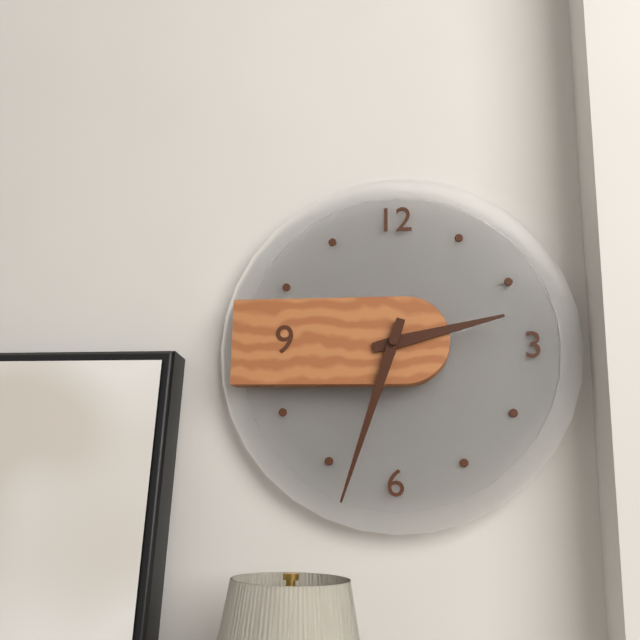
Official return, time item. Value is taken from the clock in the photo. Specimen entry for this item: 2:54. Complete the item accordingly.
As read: 2:33
